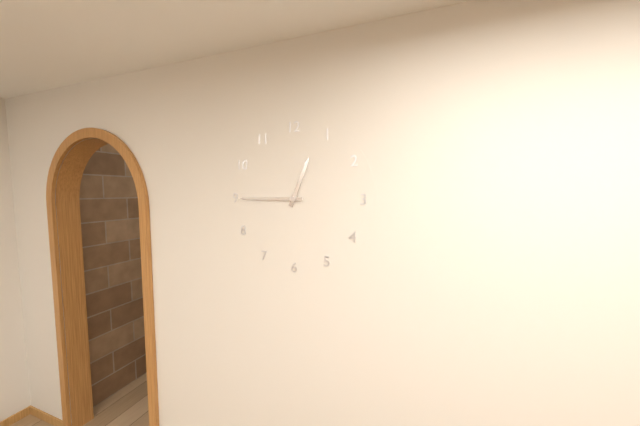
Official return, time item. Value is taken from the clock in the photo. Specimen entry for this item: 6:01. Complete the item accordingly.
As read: 12:45
